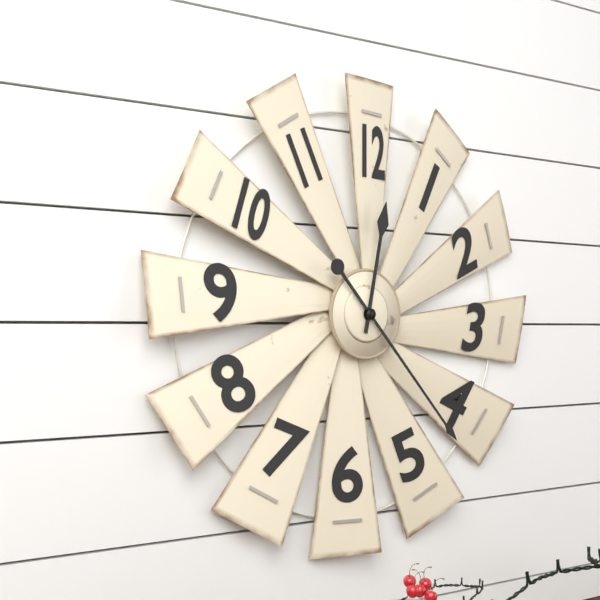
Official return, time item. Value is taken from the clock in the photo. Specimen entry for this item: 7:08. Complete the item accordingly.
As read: 12:23
